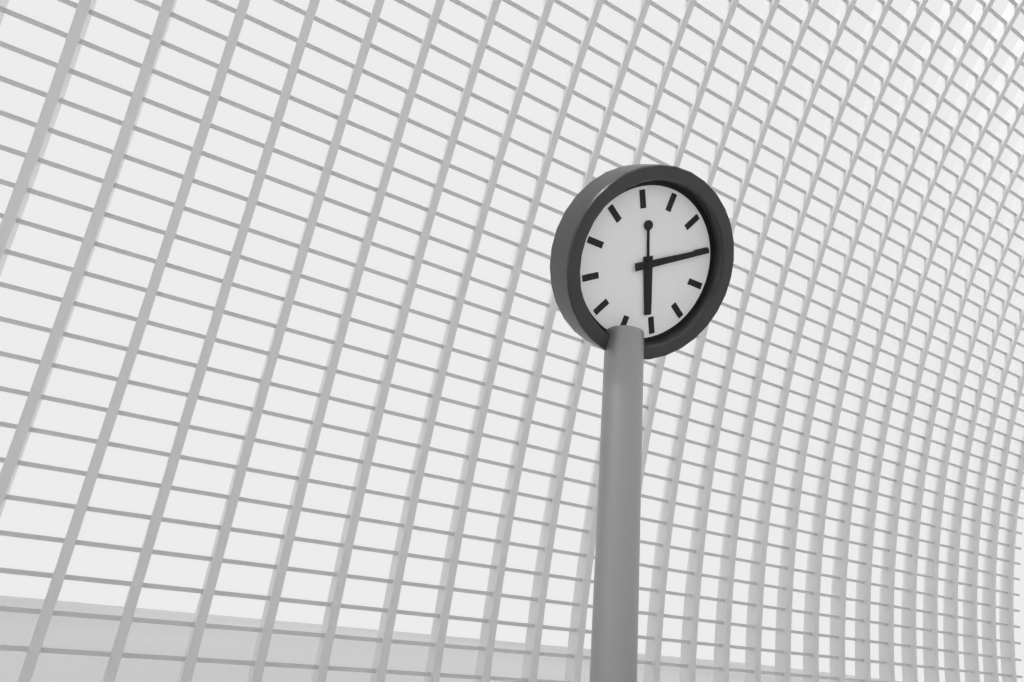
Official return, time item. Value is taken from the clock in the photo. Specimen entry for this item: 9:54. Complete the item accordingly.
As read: 5:10
